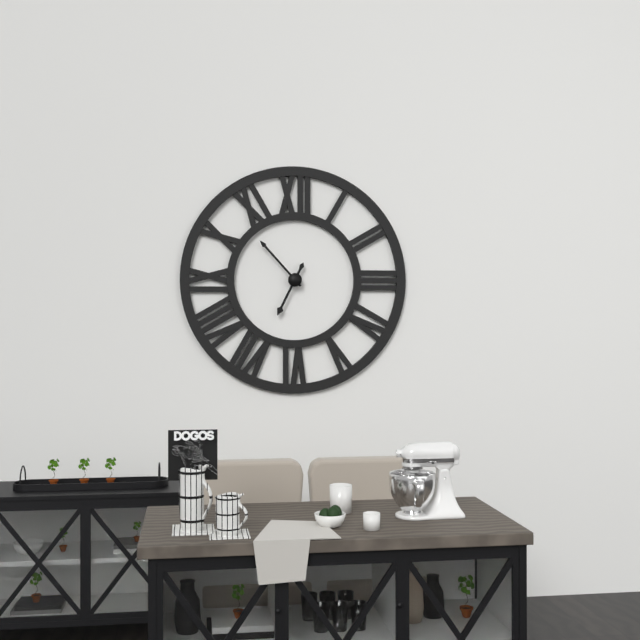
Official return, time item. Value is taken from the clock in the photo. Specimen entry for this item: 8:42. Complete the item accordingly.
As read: 6:53
